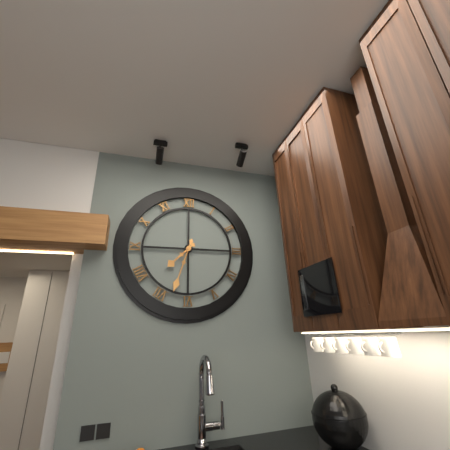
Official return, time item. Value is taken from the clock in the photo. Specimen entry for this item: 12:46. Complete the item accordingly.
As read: 7:33
